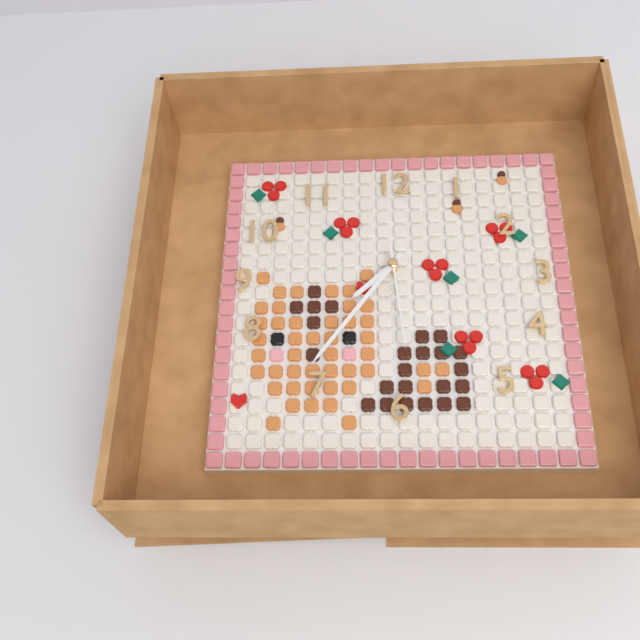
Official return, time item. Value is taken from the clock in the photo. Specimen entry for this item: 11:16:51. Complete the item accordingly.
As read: 7:36:29
